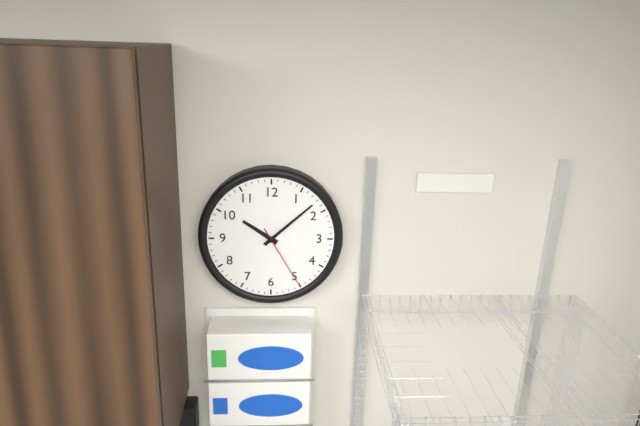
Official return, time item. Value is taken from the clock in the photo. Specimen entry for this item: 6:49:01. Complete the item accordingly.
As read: 10:08:25
